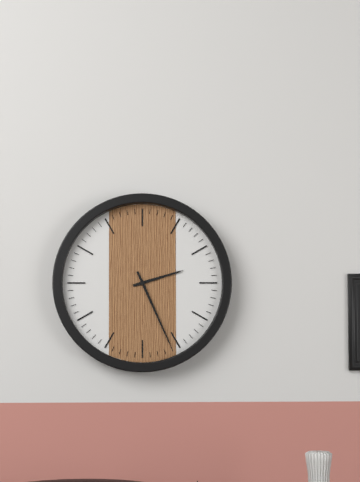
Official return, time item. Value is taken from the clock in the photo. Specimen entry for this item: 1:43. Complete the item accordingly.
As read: 2:26
